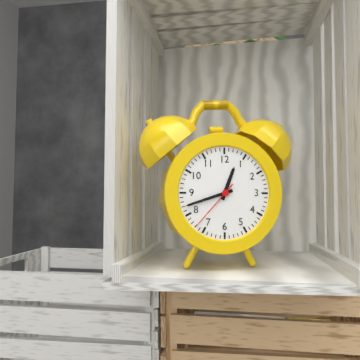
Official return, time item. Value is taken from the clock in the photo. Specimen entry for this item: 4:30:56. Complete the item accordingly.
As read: 12:42:37
